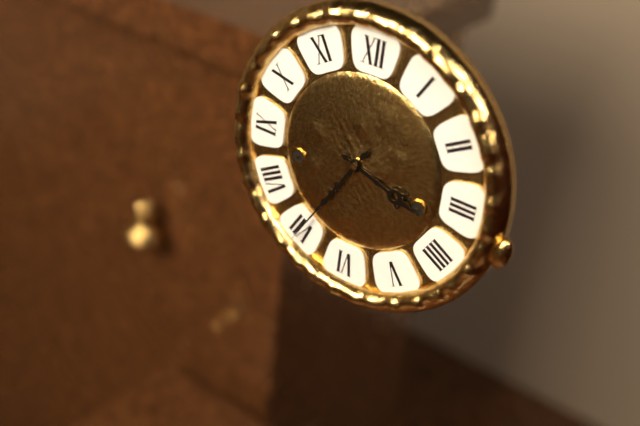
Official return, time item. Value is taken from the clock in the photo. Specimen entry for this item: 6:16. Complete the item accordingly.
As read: 3:35
